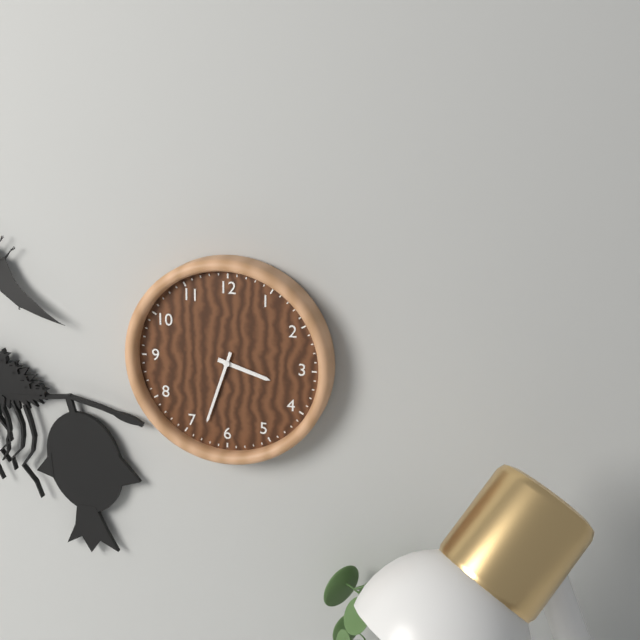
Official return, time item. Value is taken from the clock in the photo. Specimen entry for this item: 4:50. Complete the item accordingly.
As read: 3:33
